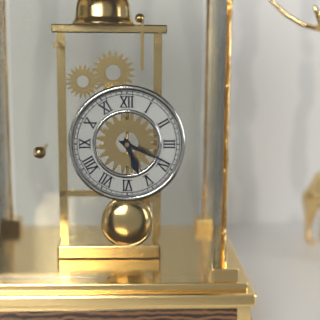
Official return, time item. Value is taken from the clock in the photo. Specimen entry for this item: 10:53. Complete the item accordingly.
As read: 5:19
